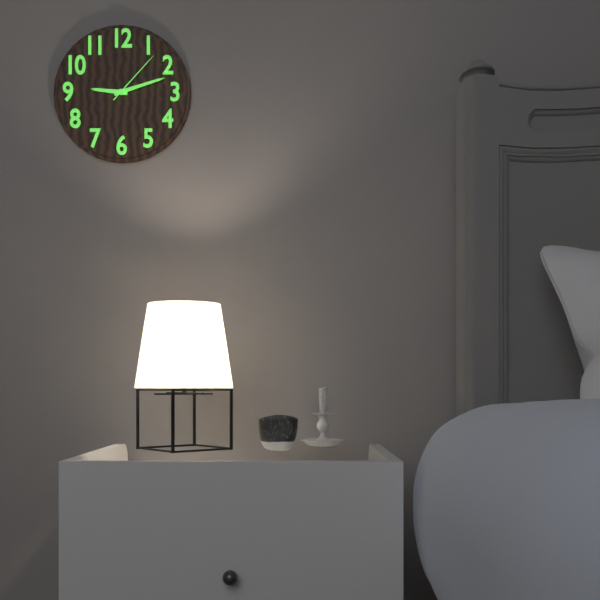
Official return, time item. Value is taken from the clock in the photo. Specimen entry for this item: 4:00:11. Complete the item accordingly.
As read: 9:12:07
